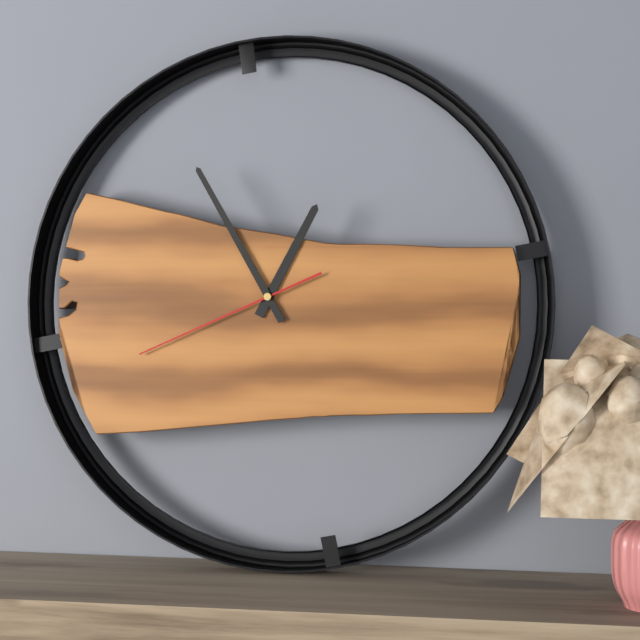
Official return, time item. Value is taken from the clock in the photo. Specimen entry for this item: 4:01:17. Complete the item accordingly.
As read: 12:55:41
